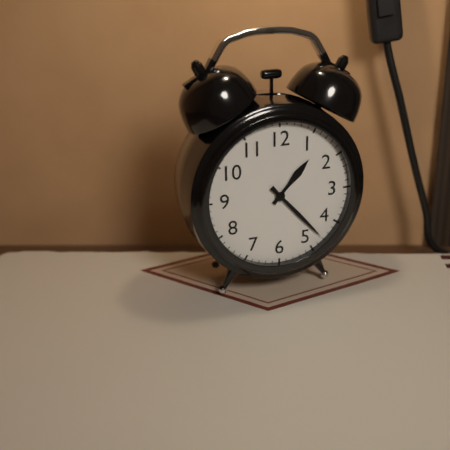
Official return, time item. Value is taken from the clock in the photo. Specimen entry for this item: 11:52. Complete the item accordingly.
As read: 1:23
